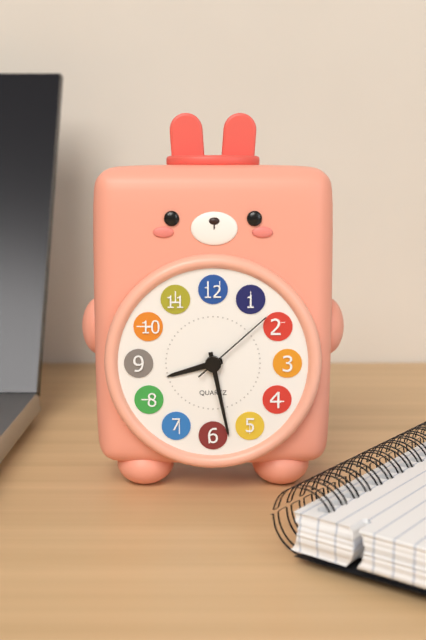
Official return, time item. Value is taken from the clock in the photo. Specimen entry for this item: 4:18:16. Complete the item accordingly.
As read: 8:28:08
